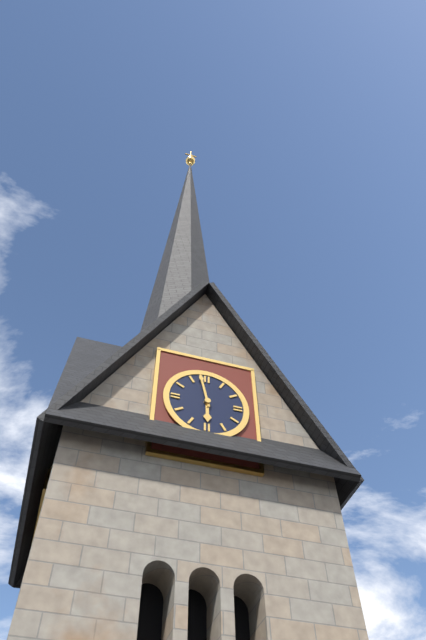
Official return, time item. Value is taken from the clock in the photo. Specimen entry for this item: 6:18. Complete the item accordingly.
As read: 5:58
